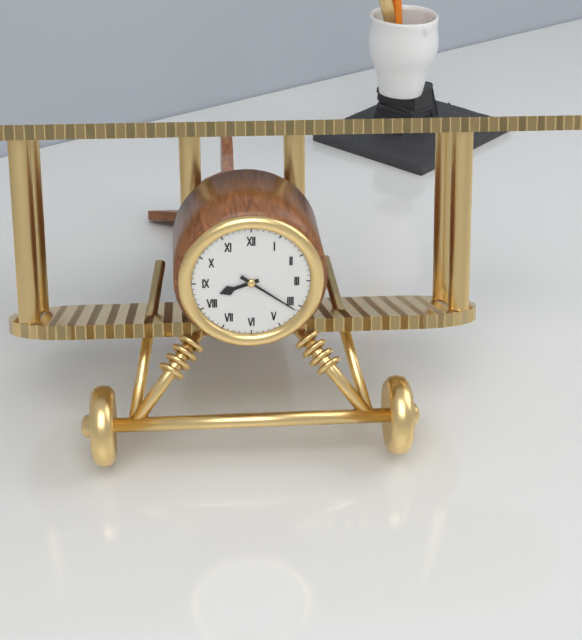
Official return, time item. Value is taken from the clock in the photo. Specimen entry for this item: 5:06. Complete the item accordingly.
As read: 8:21
